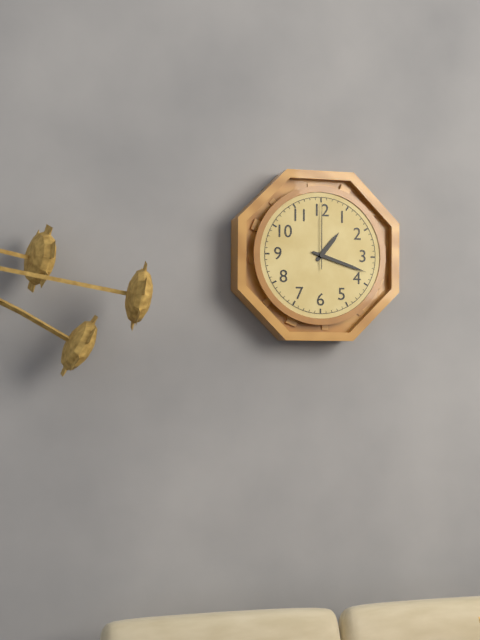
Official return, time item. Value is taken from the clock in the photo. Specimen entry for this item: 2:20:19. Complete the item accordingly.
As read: 1:18:00
